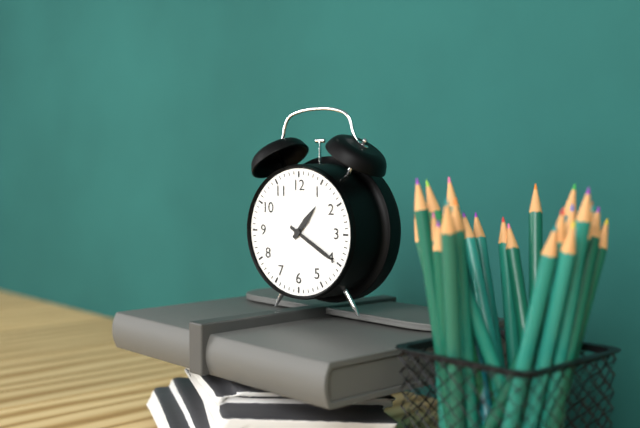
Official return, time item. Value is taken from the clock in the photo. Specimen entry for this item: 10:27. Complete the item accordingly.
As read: 1:20
